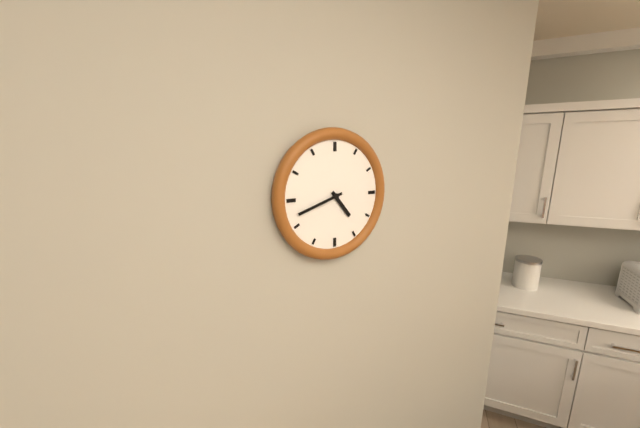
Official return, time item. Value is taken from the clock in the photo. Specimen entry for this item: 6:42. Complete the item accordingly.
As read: 4:42
